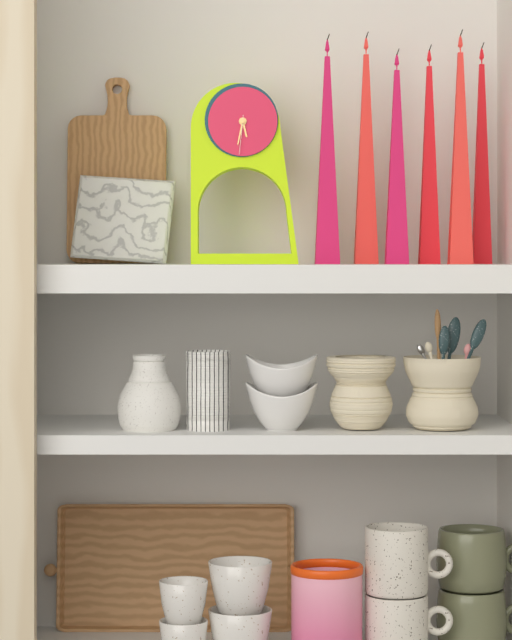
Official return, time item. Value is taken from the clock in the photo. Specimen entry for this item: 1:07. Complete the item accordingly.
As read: 5:32
